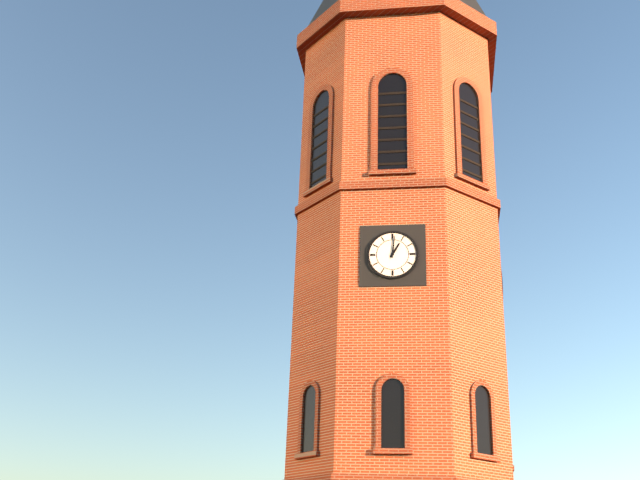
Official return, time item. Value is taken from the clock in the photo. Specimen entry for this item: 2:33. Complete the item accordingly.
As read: 1:01
